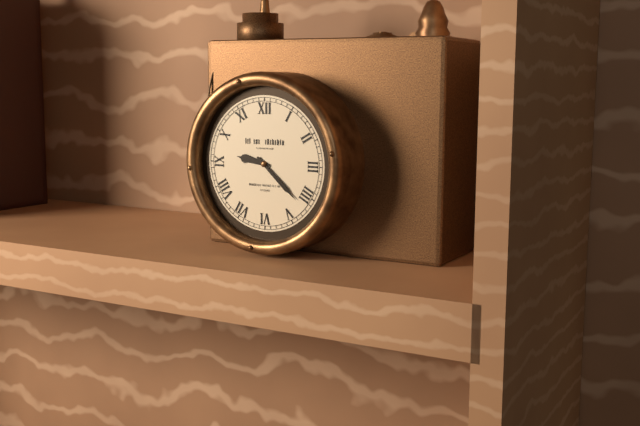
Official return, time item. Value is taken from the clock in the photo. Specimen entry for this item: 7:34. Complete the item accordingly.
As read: 9:22
